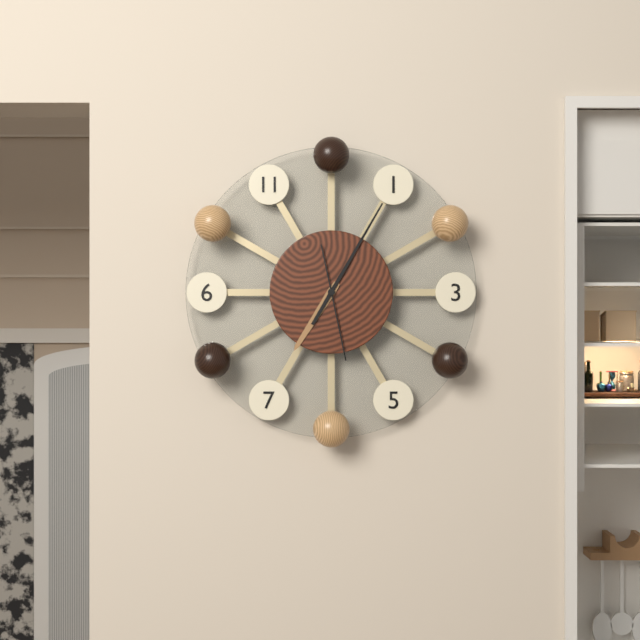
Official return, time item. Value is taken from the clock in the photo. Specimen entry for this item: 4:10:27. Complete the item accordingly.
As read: 7:05:28
